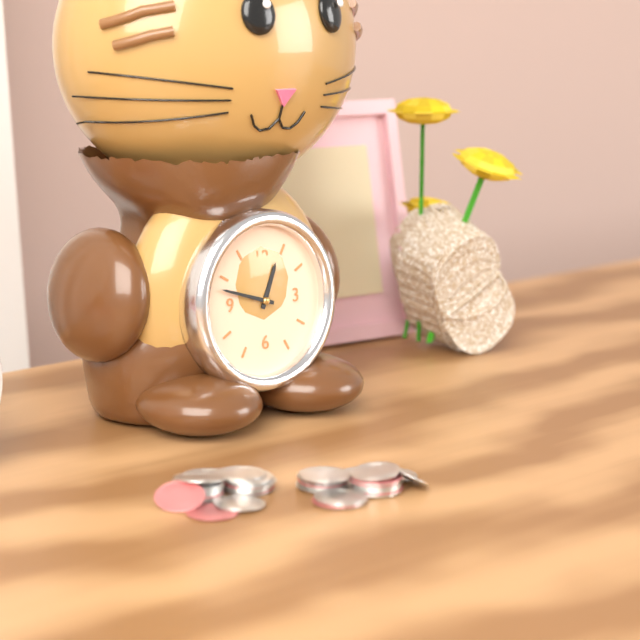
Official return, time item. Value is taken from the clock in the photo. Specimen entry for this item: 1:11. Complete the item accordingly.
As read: 12:48
